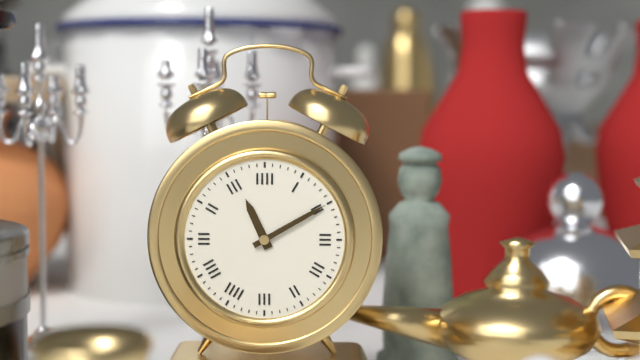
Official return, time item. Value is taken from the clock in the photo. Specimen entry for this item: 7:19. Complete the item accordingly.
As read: 11:10
